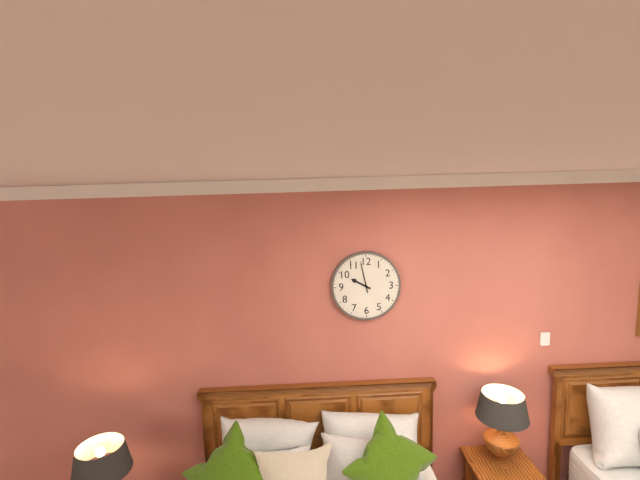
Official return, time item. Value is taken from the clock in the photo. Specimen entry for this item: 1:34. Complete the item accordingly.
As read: 9:58
